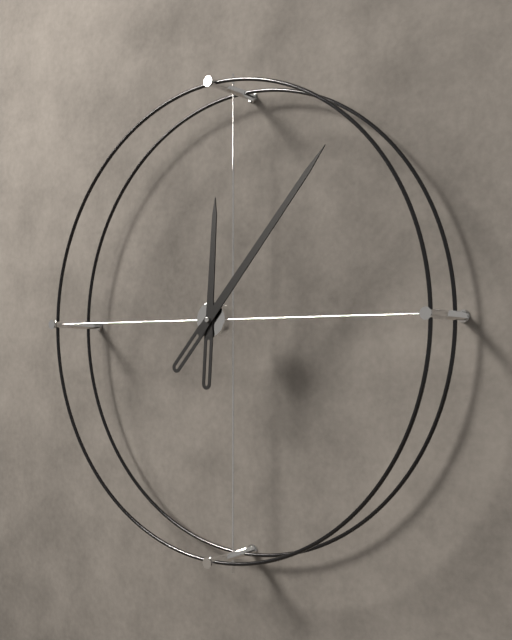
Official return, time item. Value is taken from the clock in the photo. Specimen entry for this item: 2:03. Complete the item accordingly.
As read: 12:07
